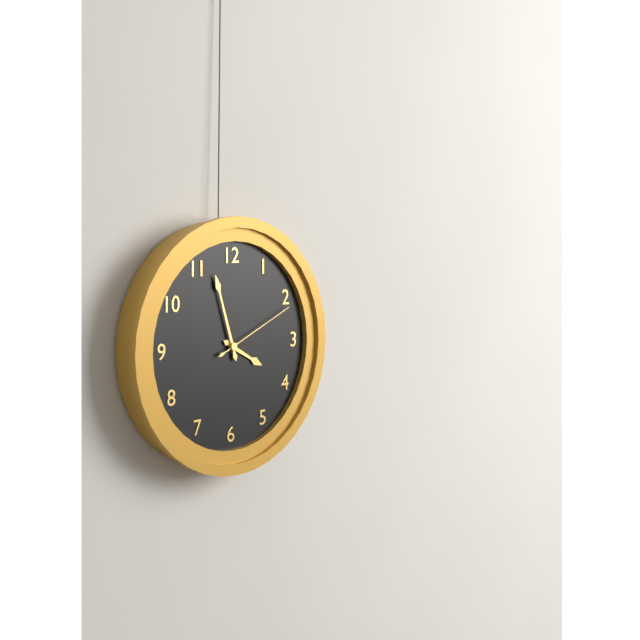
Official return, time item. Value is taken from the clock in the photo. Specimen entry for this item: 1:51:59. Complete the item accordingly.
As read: 3:57:11
